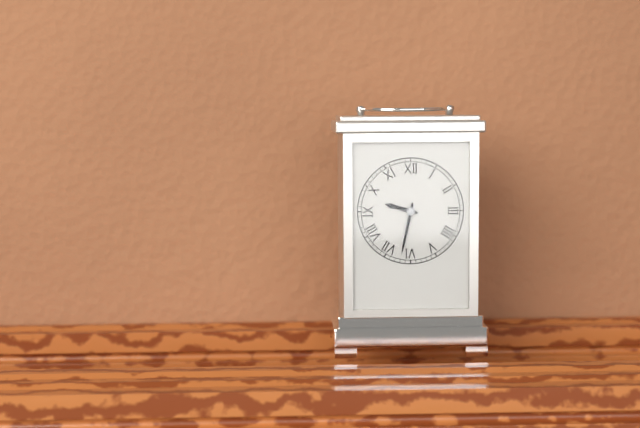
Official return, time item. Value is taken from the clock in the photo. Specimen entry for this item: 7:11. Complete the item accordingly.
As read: 9:32
